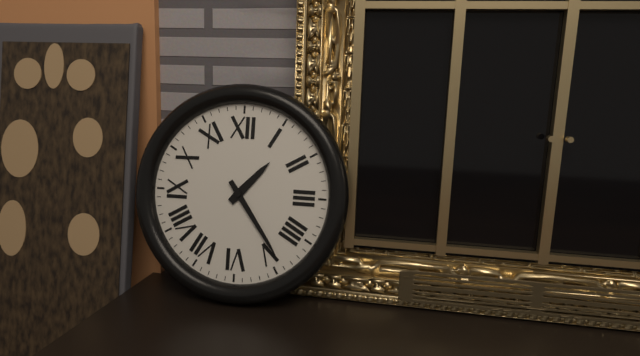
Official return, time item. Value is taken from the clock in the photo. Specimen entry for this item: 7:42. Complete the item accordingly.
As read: 1:24
